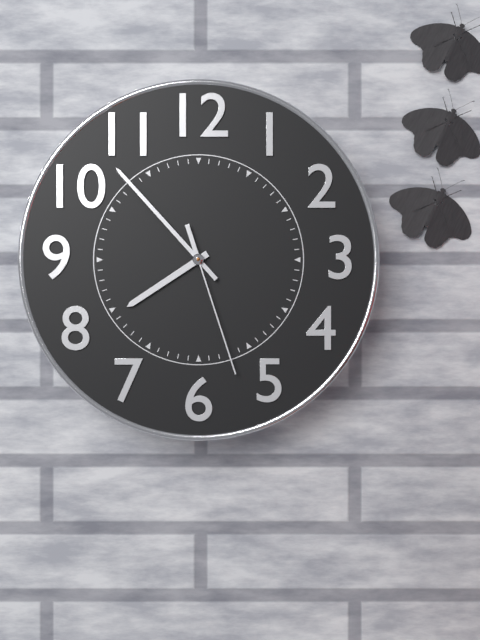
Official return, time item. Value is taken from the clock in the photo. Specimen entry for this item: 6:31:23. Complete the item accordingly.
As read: 7:53:27
